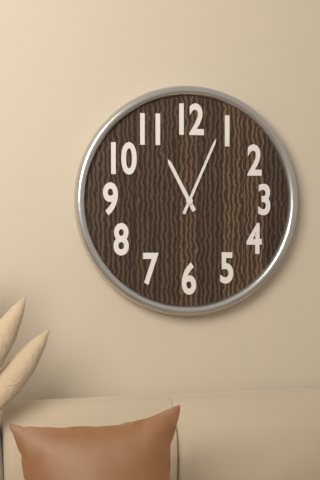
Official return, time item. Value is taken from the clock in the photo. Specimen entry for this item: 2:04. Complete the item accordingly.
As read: 11:04
